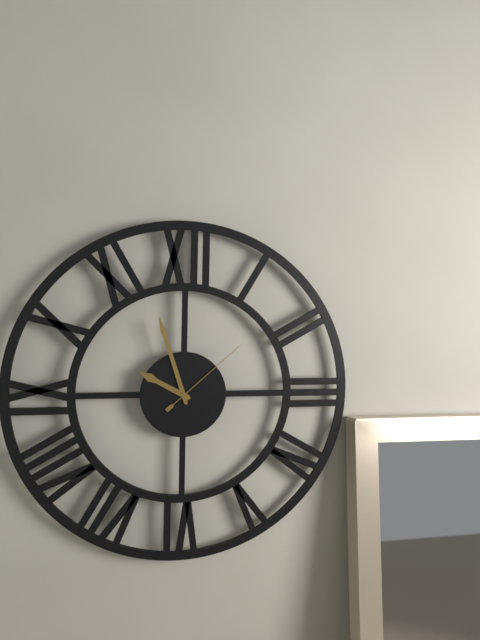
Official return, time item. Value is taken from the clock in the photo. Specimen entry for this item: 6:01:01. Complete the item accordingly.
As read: 9:57:08
